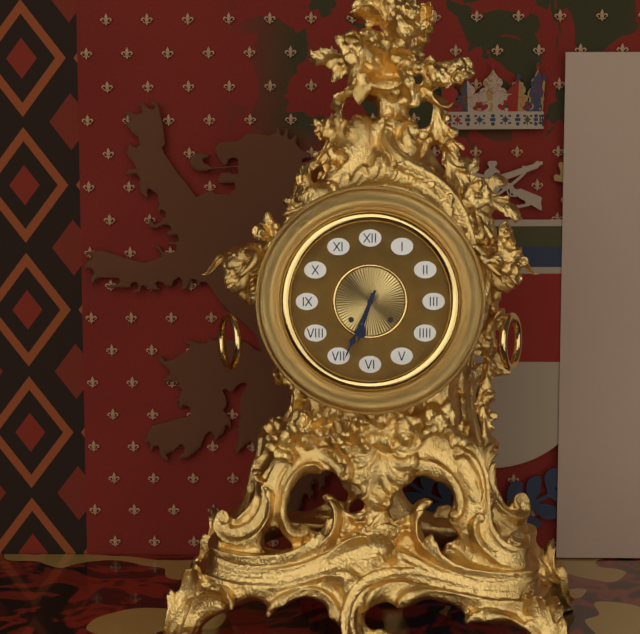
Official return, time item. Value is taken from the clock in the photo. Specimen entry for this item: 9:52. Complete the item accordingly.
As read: 6:34
